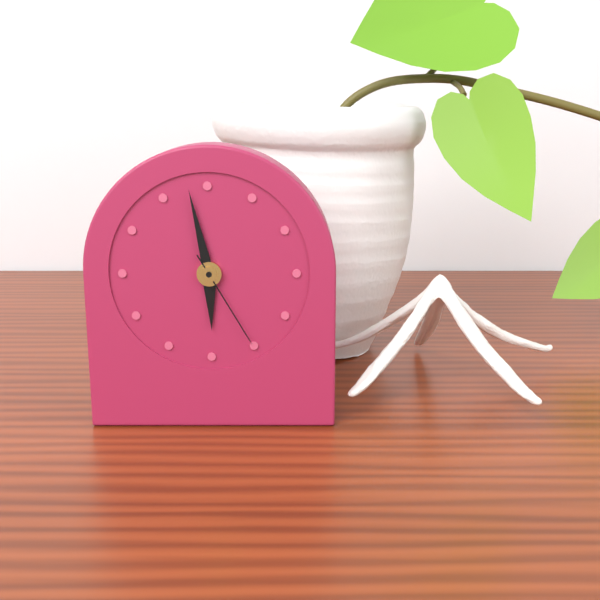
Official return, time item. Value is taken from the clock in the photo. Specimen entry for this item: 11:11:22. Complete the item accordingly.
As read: 5:58:25
